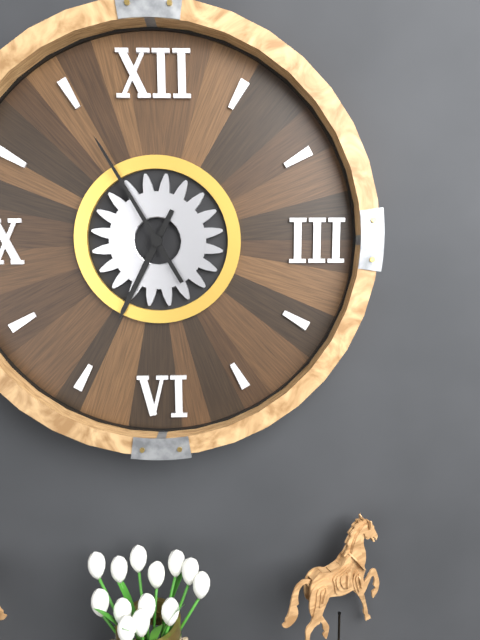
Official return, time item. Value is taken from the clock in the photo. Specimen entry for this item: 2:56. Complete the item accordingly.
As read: 6:55
